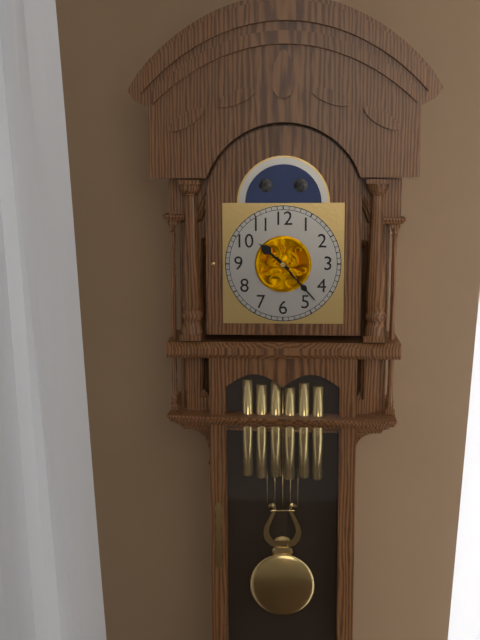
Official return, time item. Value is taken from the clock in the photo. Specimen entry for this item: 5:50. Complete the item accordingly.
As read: 10:23
